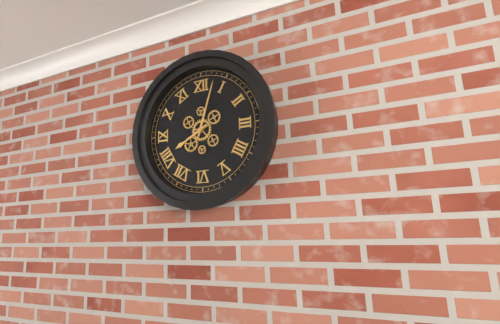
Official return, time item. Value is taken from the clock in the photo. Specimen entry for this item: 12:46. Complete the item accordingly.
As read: 8:03
